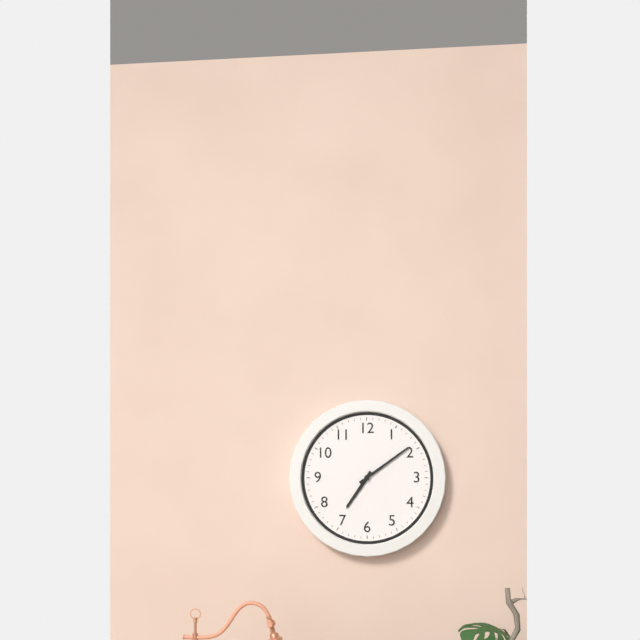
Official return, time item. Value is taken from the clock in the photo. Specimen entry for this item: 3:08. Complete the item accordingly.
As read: 7:09
